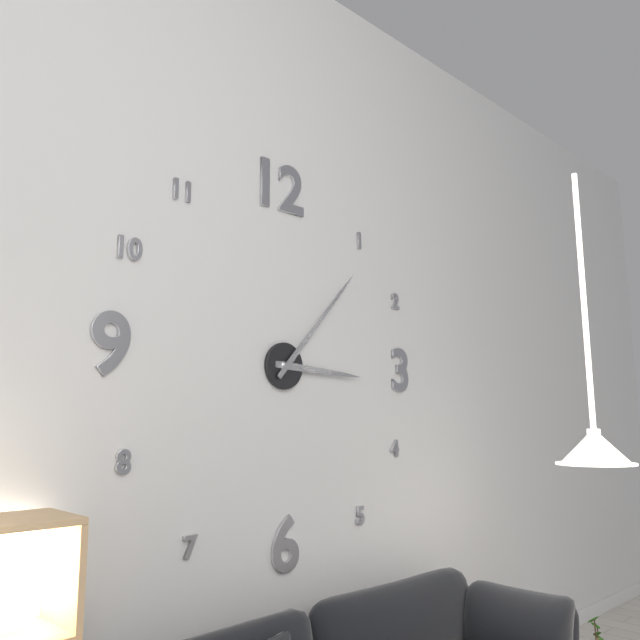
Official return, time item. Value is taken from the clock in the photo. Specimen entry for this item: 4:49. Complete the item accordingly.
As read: 3:07
